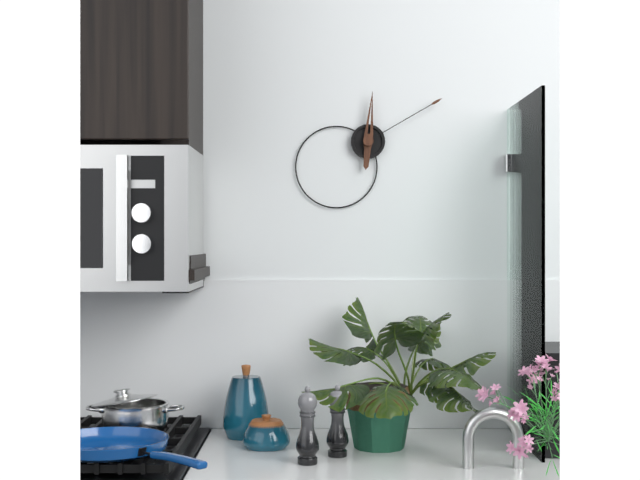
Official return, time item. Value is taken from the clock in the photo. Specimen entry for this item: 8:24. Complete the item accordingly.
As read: 12:10
